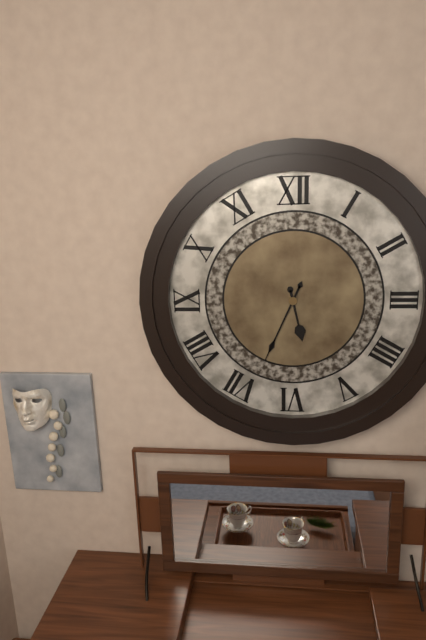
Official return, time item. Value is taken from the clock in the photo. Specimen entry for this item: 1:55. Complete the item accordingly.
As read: 5:34
